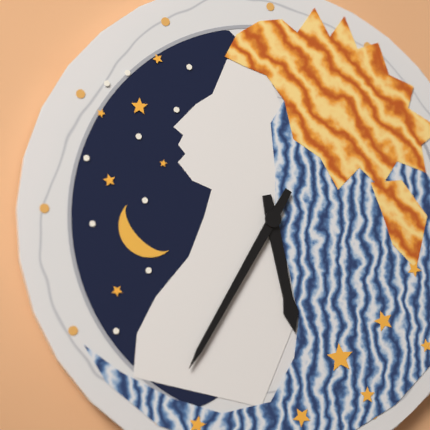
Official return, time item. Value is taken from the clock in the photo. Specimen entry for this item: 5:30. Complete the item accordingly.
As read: 5:35
